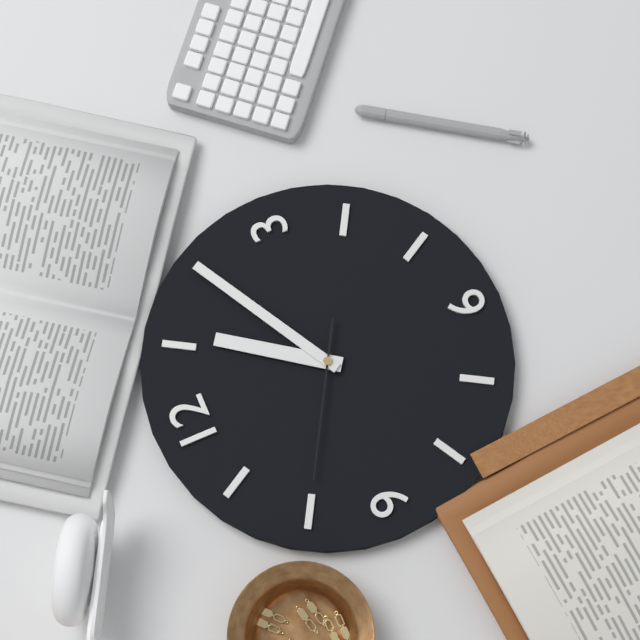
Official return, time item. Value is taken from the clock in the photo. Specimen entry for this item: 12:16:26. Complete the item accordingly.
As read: 1:10:50
